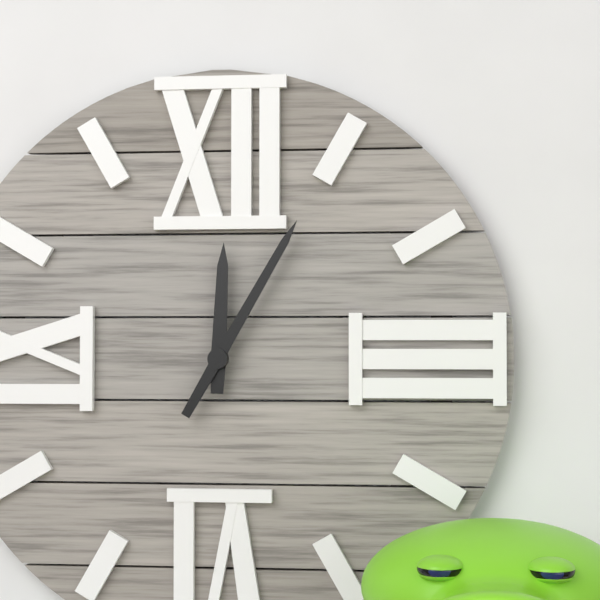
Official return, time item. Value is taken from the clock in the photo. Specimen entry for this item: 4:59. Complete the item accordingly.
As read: 12:05
